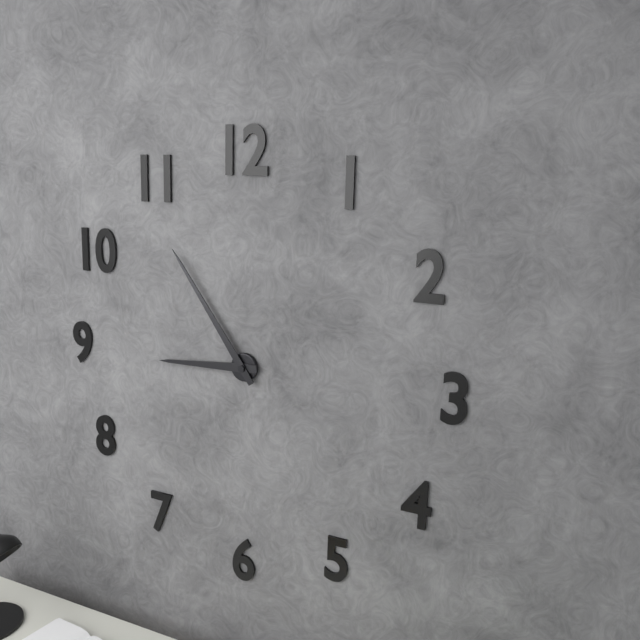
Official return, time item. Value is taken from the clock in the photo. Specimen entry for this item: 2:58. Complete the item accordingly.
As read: 8:54
